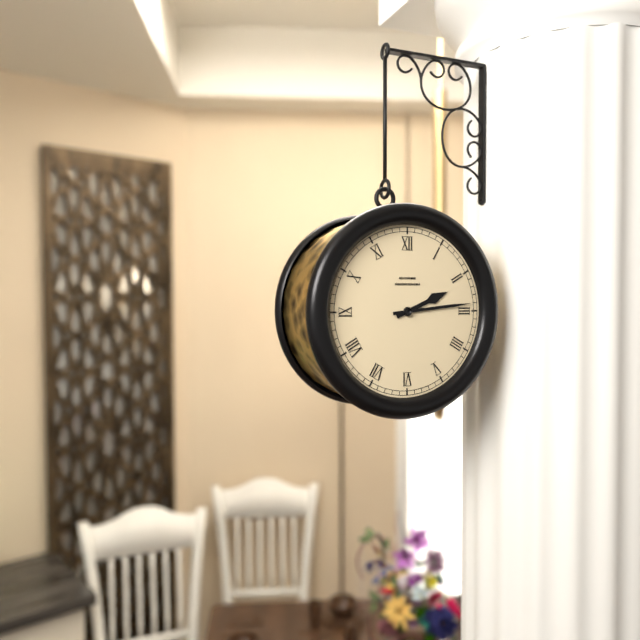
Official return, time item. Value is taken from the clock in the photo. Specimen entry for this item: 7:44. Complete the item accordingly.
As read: 2:14
